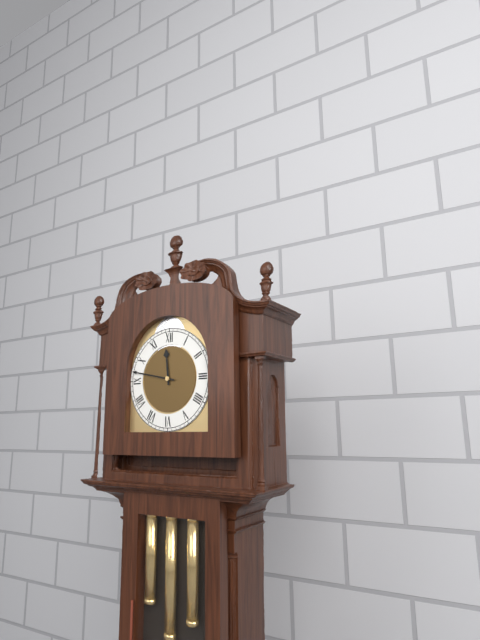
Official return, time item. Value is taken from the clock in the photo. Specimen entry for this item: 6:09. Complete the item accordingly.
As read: 11:47
